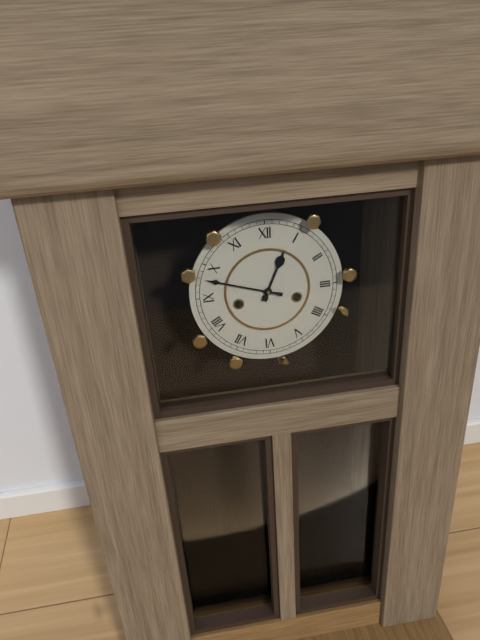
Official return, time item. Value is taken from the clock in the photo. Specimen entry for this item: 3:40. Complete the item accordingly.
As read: 12:48
